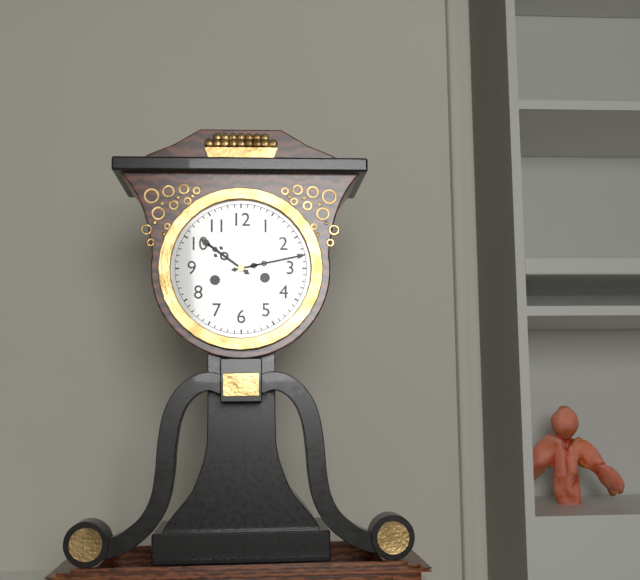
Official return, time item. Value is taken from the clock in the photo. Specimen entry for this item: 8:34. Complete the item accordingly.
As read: 10:13
